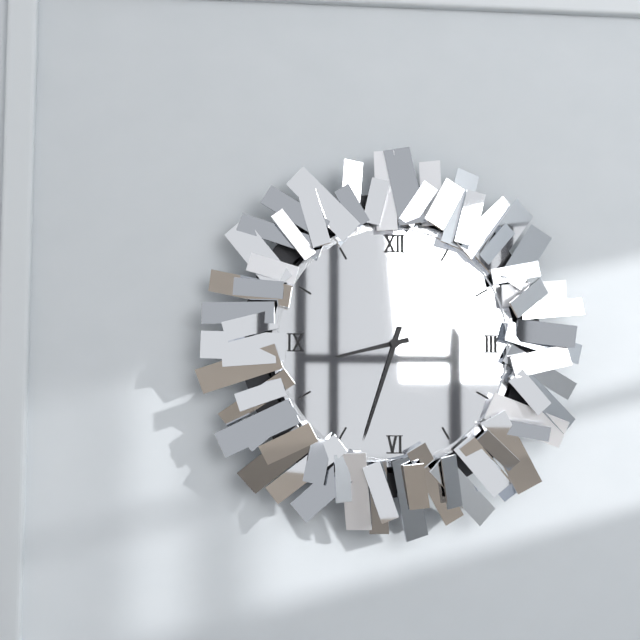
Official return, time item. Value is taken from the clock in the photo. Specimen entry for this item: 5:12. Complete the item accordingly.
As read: 8:33
